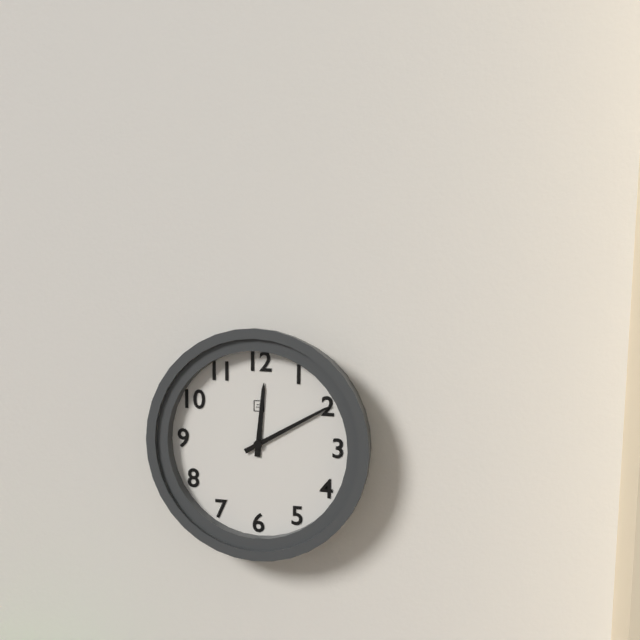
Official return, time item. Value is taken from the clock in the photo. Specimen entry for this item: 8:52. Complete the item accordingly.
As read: 12:10
